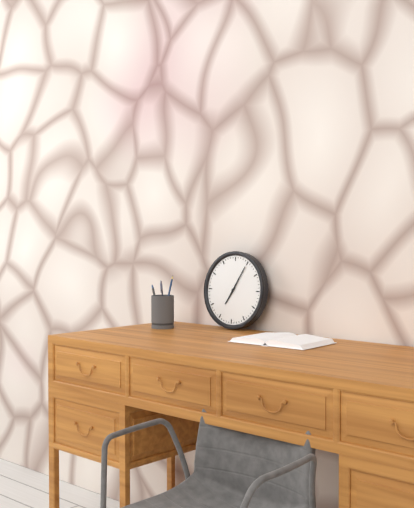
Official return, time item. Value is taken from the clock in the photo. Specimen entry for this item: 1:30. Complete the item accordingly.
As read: 7:05
